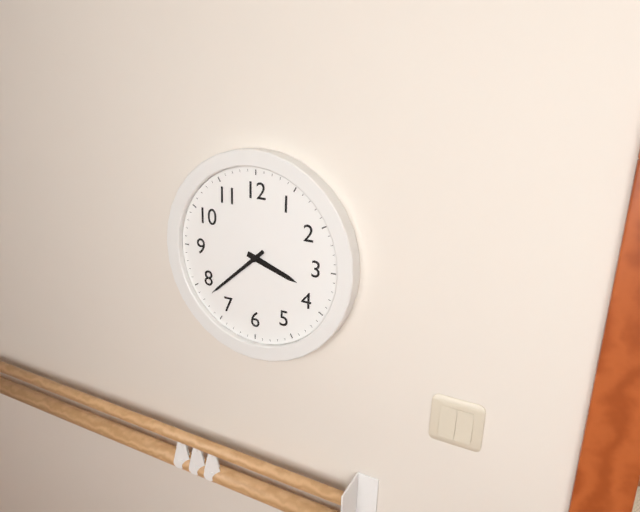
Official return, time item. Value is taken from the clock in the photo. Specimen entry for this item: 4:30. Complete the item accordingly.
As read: 3:38
